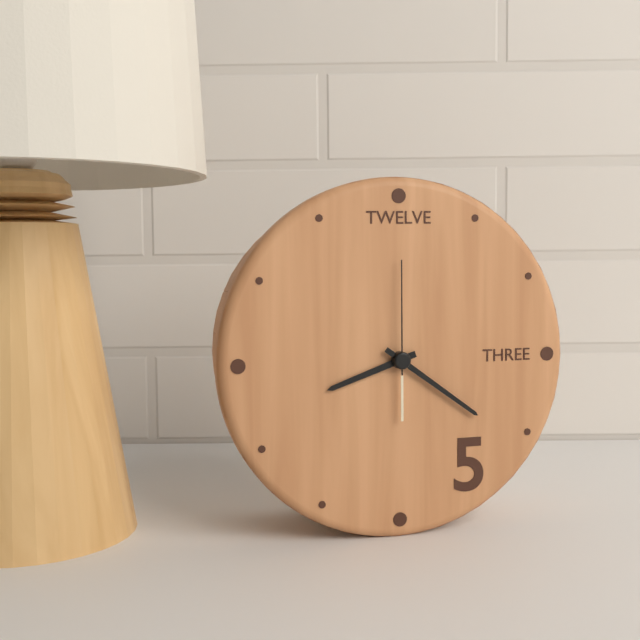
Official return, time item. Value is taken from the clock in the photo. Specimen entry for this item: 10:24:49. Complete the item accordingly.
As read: 8:21:00
